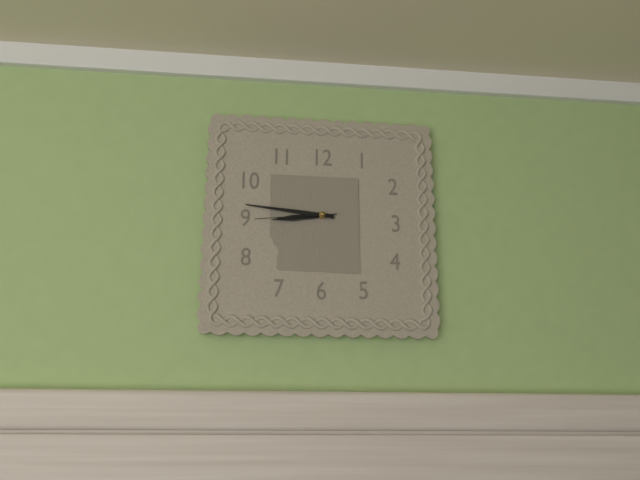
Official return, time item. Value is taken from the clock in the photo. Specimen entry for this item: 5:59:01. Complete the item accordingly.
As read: 8:46:44
